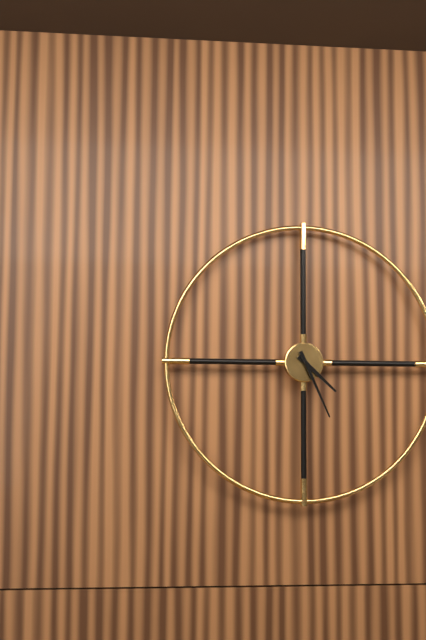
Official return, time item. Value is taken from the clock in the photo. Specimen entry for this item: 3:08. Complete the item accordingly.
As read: 4:26
